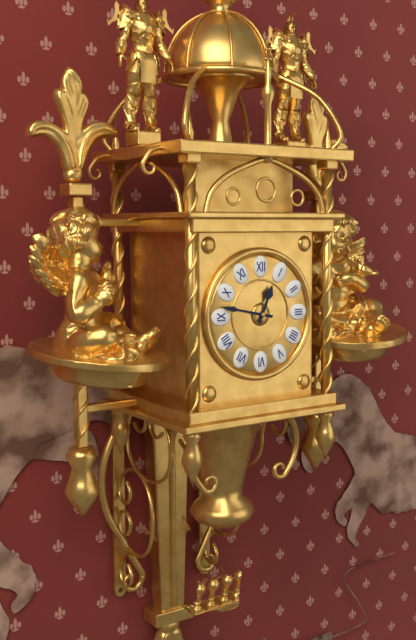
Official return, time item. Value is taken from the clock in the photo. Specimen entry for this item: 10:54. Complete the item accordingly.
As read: 12:47
